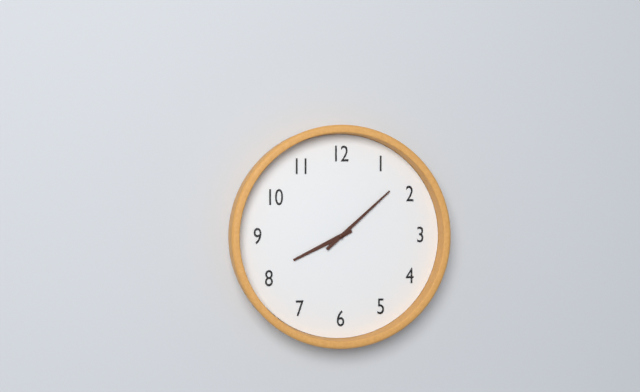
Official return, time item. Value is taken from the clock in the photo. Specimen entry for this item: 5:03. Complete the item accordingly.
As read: 8:08
